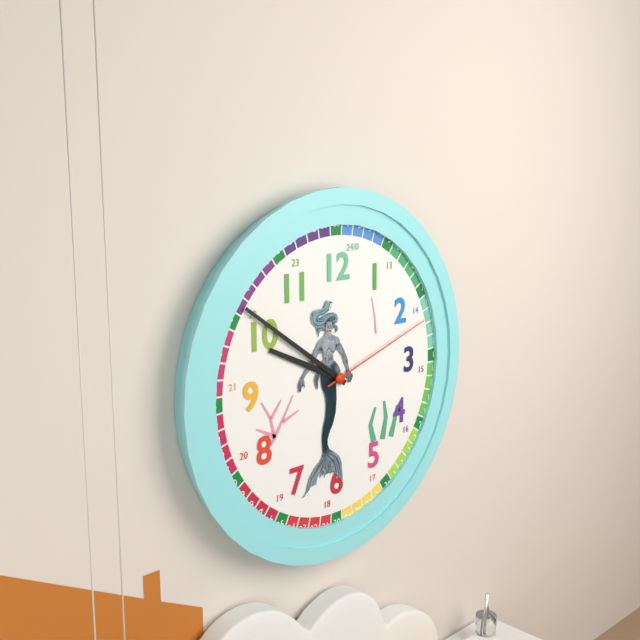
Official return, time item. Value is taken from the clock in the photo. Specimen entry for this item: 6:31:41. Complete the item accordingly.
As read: 9:51:12
